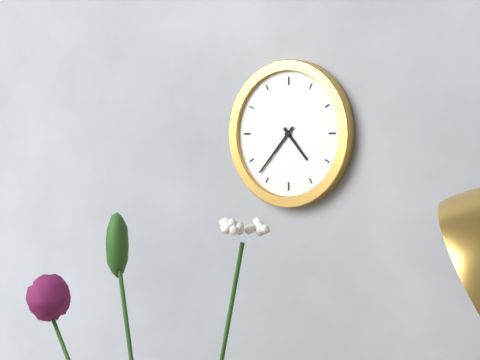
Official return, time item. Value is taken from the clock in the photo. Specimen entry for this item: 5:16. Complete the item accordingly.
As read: 4:37
